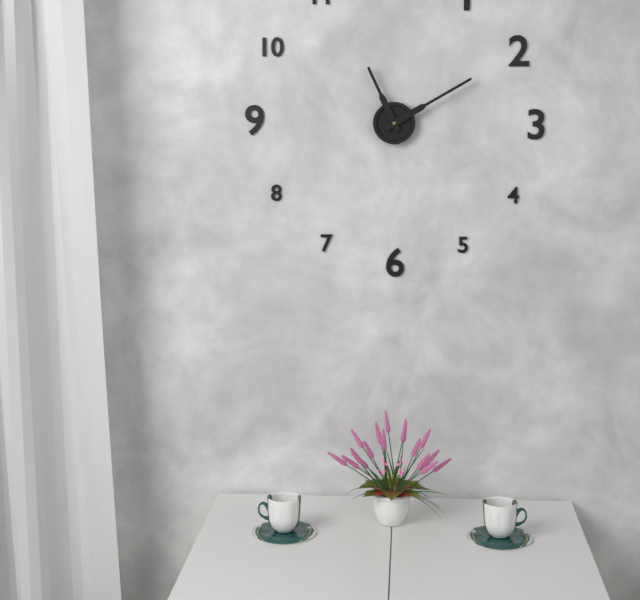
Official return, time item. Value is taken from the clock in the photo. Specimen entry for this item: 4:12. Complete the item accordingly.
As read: 11:10
